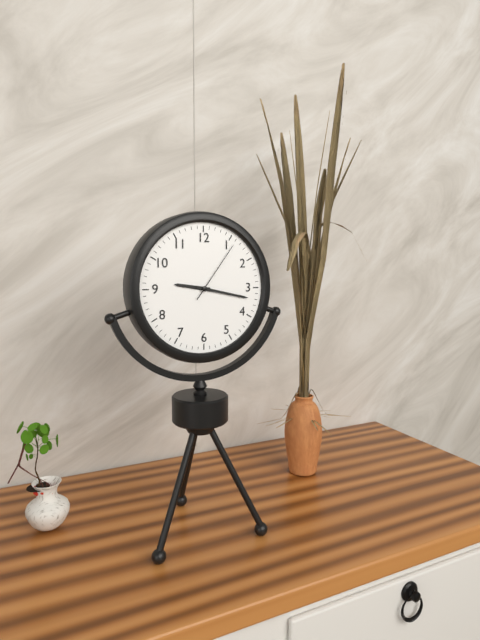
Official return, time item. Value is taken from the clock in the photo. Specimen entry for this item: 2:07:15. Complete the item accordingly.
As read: 9:17:06
